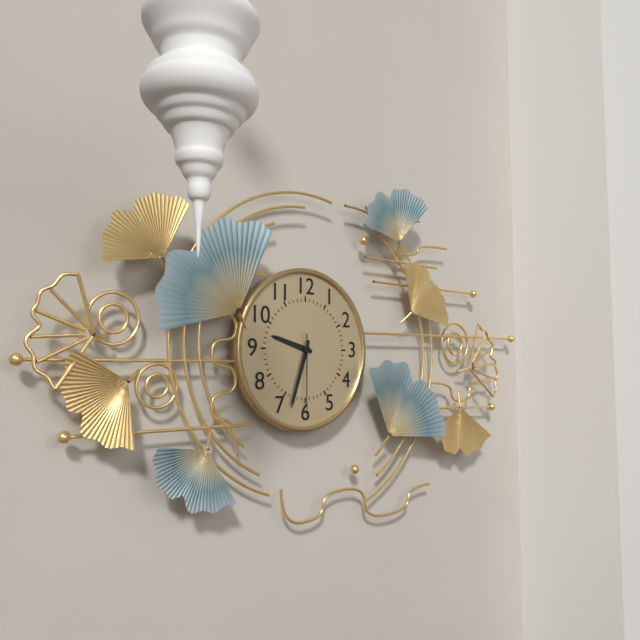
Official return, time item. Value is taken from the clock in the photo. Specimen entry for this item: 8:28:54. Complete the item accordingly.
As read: 9:33:30
